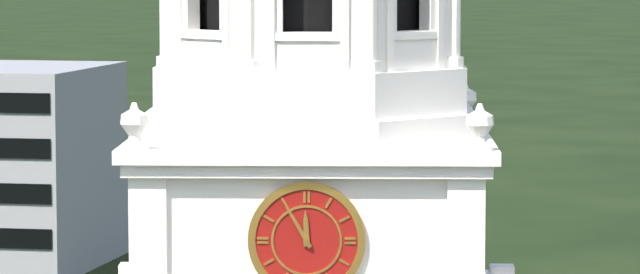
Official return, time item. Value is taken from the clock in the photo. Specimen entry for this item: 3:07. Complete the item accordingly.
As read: 11:55
